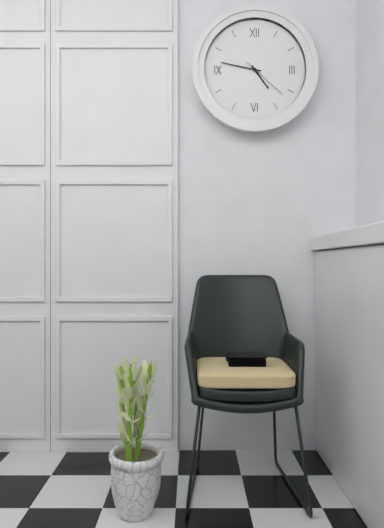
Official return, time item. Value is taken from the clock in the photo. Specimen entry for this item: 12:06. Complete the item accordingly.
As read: 4:47
